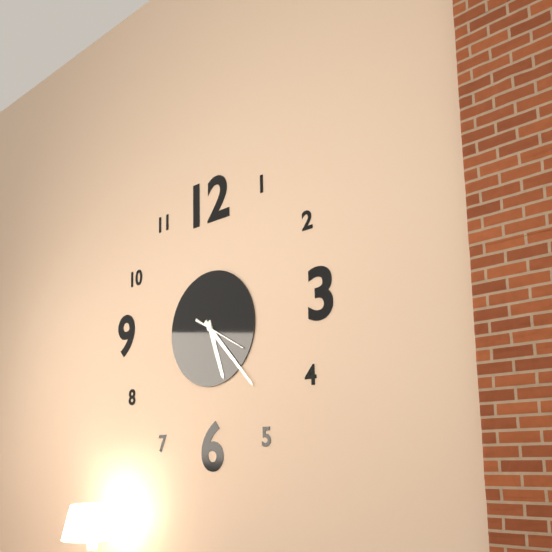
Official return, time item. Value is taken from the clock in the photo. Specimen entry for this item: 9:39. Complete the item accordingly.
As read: 5:23
